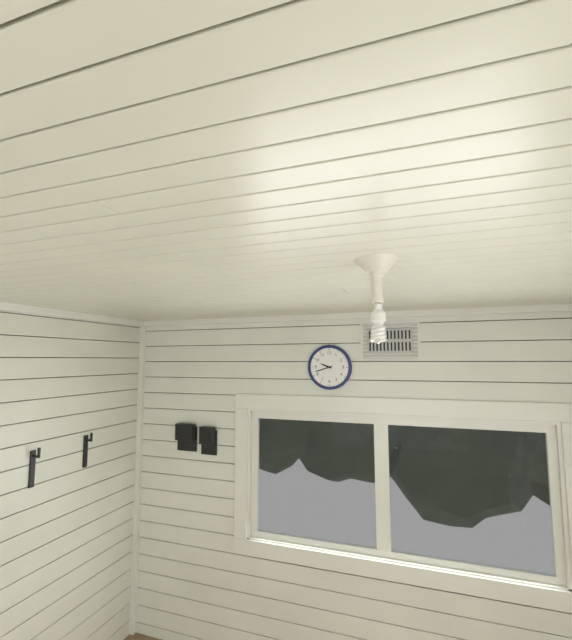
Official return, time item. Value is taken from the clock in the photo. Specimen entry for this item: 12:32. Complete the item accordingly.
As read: 9:42
